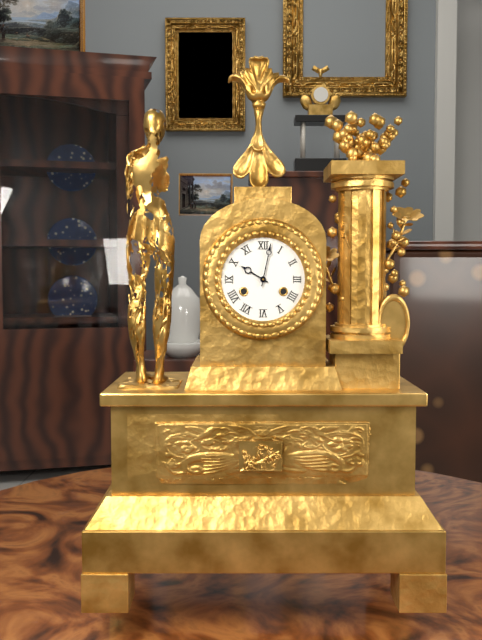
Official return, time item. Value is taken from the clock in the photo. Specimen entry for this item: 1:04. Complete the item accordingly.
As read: 10:02
